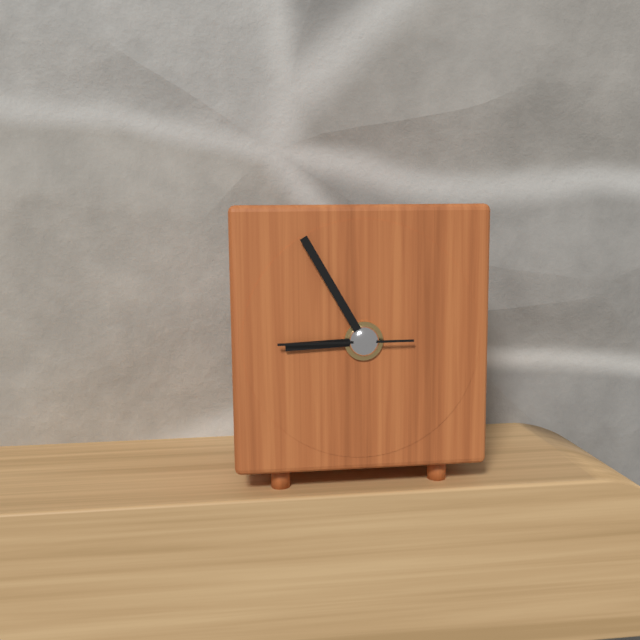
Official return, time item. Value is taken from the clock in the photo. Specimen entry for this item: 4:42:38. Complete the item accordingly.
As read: 8:55:45
